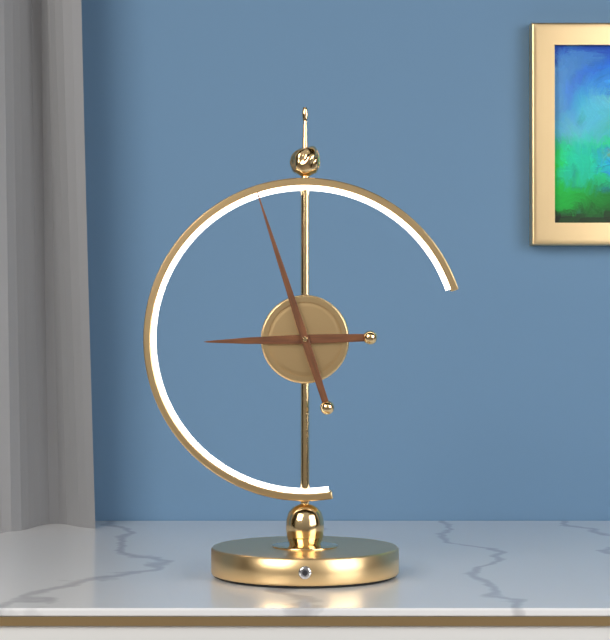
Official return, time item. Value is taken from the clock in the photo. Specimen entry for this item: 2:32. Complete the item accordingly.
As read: 8:57
